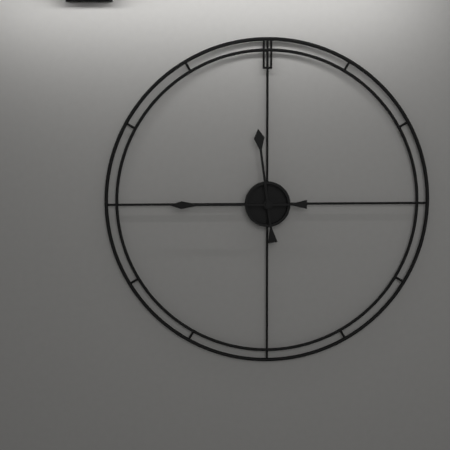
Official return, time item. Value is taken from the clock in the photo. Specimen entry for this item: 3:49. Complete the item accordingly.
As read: 11:45
